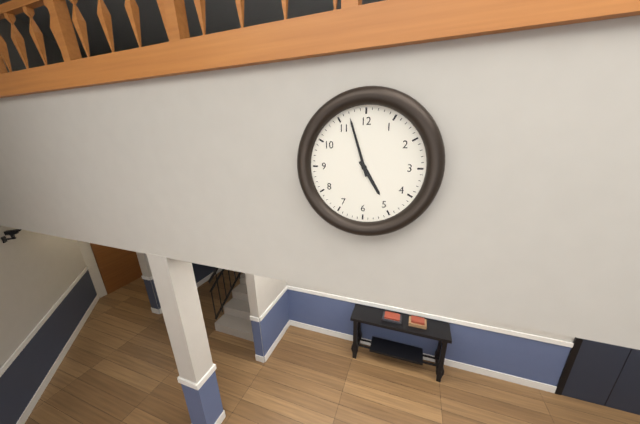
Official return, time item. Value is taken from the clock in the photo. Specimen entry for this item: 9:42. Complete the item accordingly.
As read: 4:57
